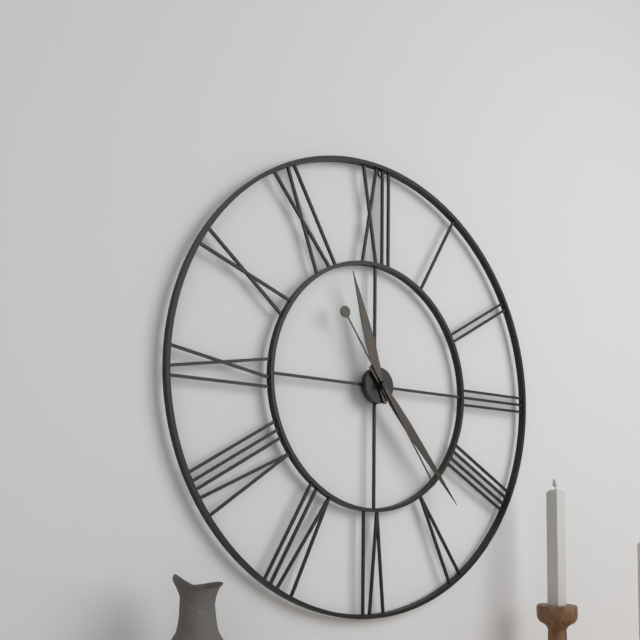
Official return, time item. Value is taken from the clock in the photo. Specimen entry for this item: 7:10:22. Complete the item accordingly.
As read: 11:23:24
